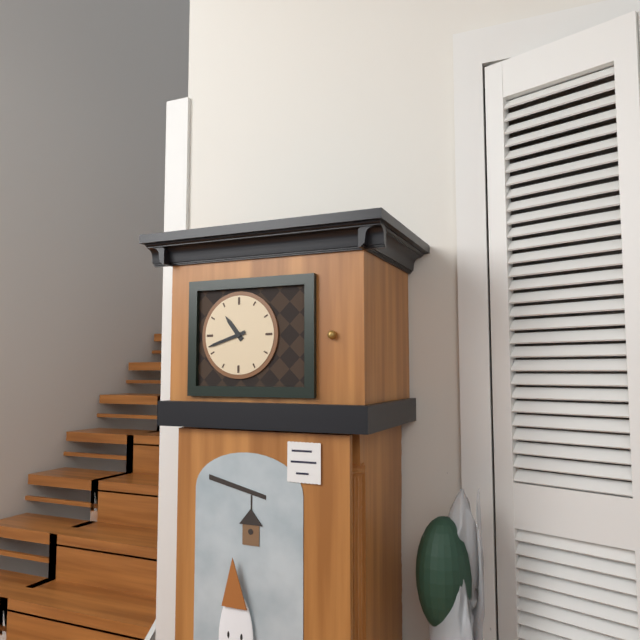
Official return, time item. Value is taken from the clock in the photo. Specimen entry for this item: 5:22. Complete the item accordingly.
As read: 10:42
